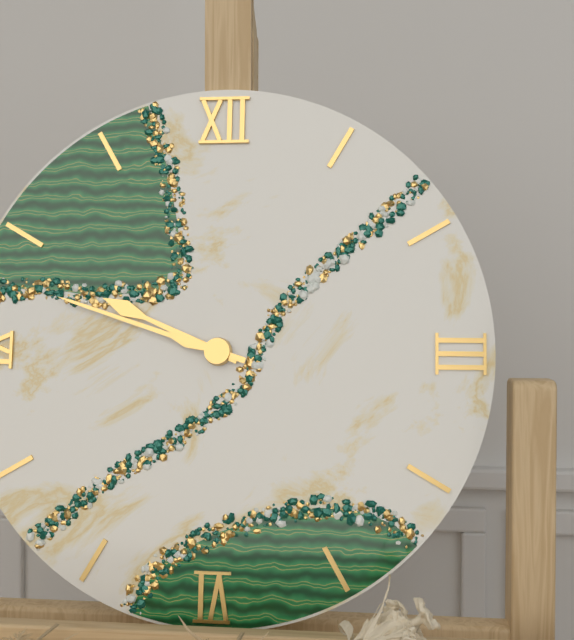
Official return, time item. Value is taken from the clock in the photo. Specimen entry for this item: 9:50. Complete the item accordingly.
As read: 9:48
